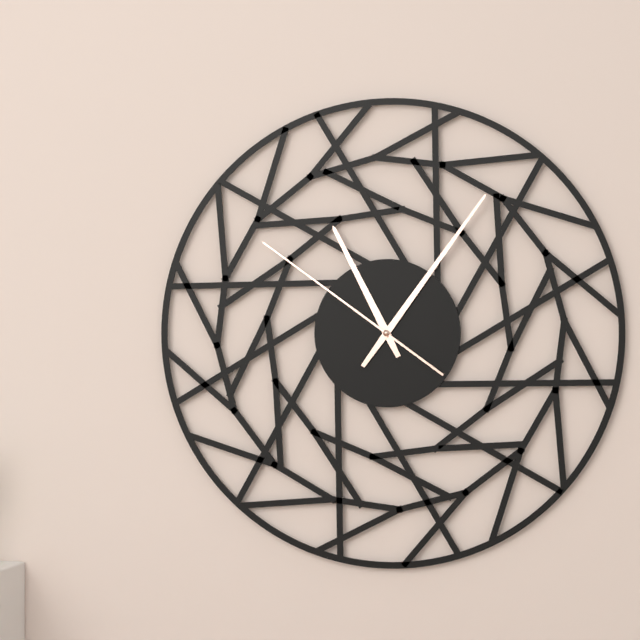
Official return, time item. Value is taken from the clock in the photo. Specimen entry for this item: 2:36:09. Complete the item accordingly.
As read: 11:06:51
